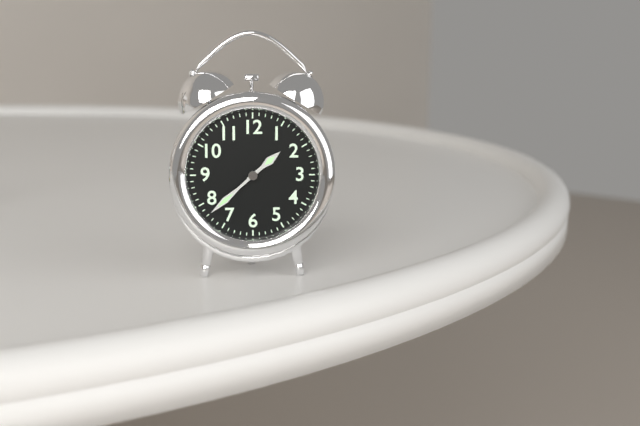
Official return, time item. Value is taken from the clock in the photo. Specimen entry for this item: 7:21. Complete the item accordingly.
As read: 1:38
